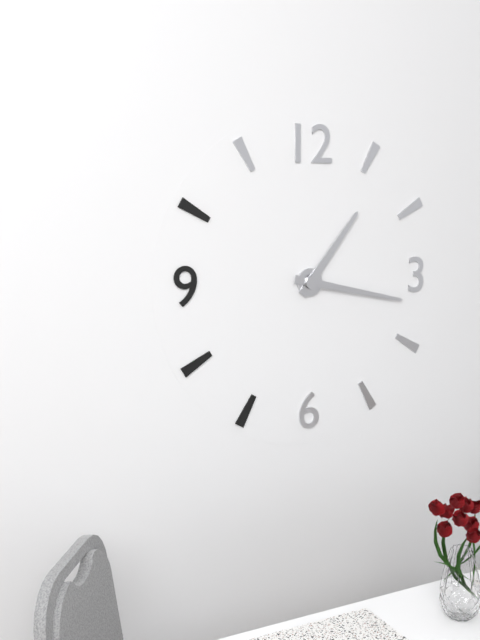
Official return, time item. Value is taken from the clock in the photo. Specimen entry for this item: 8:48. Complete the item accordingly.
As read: 1:17
